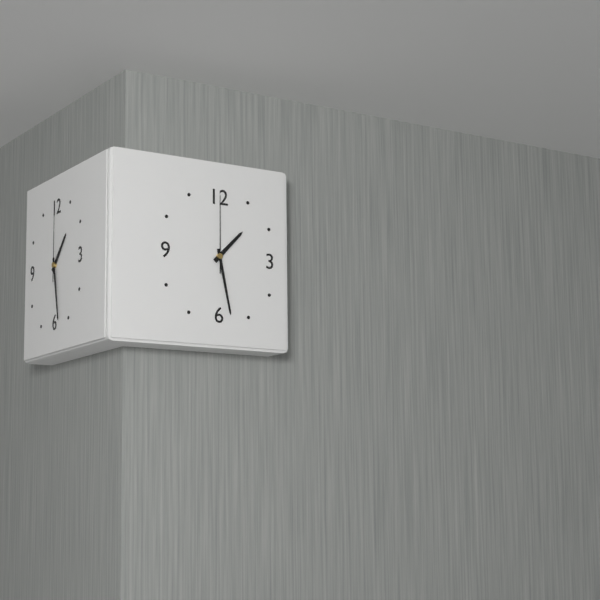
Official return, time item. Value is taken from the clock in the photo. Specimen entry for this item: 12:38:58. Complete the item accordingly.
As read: 1:28:00
